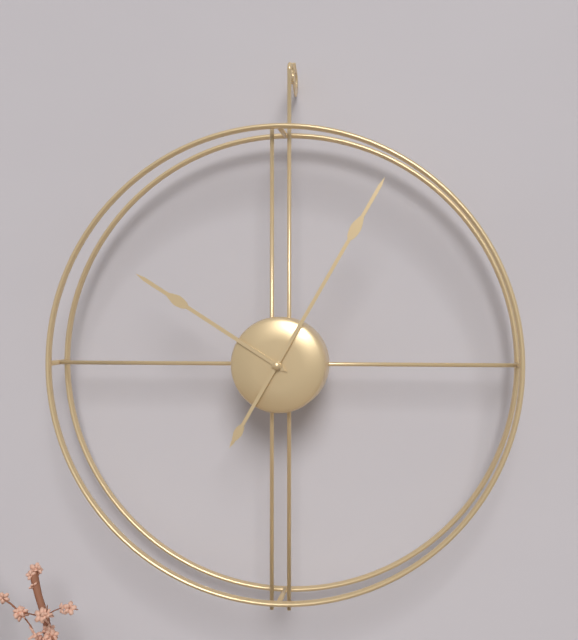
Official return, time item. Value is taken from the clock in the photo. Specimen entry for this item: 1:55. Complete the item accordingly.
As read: 10:05
